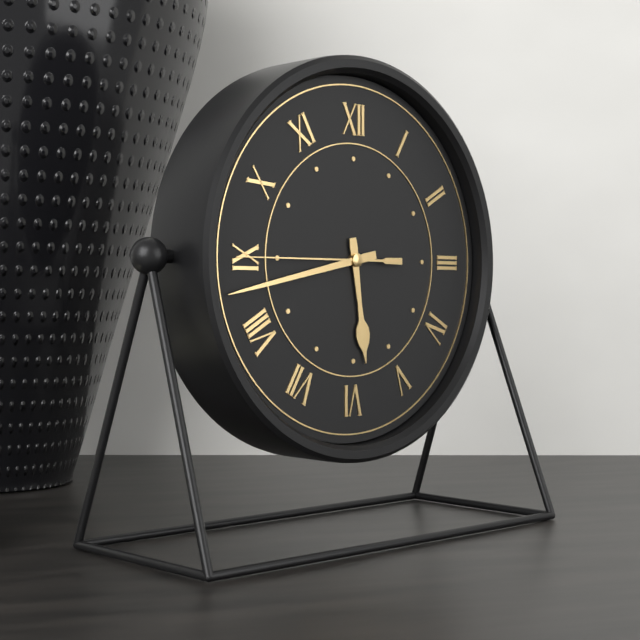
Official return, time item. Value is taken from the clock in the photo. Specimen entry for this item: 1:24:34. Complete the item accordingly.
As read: 5:43:45
